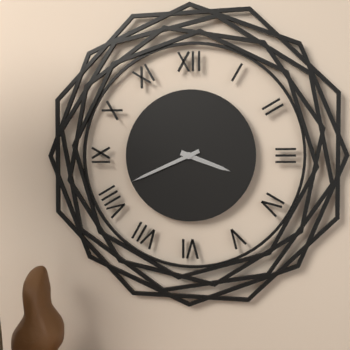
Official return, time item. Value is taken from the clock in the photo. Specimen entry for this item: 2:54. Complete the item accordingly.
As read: 3:41
